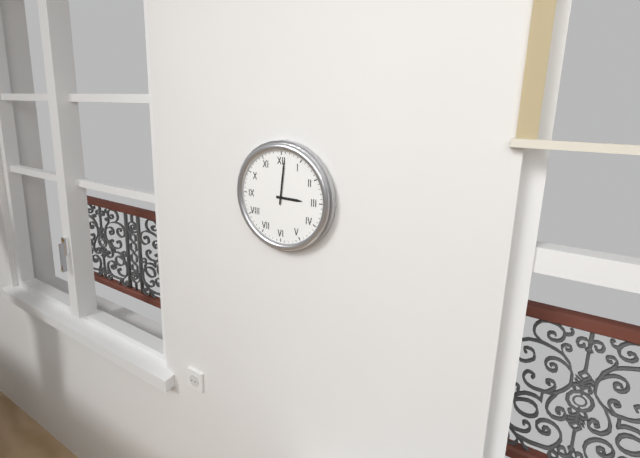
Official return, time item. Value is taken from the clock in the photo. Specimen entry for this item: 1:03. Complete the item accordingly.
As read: 3:01
